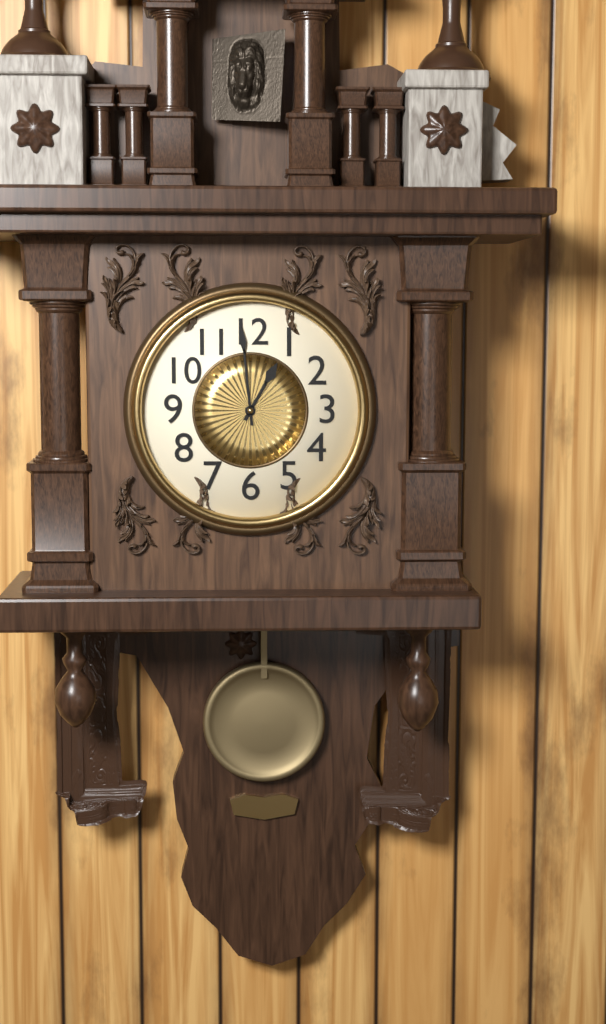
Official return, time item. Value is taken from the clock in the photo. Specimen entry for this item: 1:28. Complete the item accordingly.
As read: 12:59
